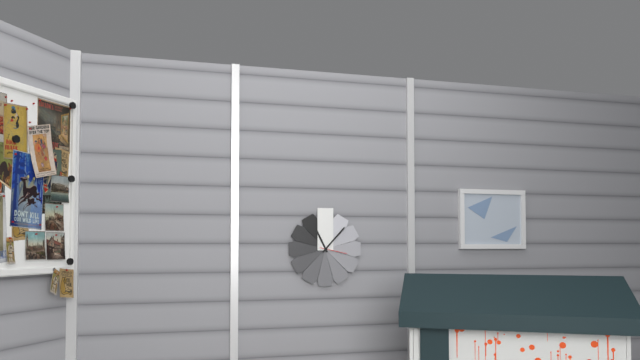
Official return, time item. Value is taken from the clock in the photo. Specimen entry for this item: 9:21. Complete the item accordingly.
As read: 11:07
